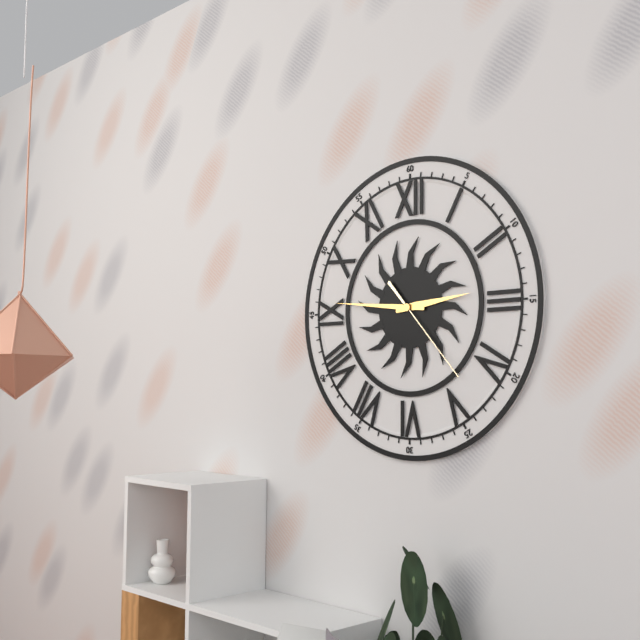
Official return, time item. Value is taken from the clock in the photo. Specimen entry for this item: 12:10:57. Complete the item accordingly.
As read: 2:46:23
